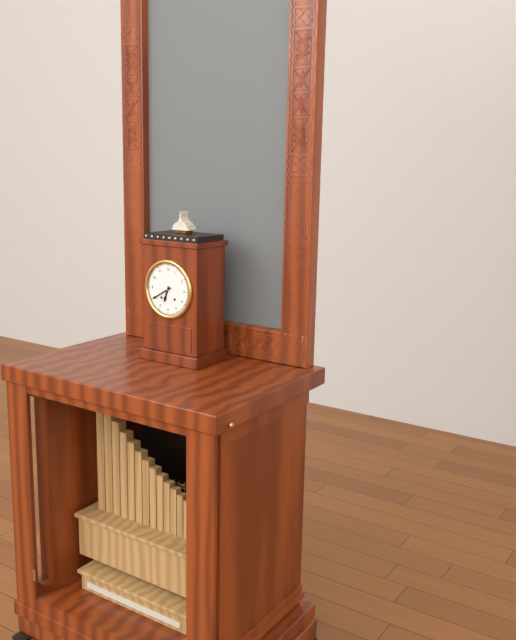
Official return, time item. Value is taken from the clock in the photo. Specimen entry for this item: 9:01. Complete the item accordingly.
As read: 6:40
